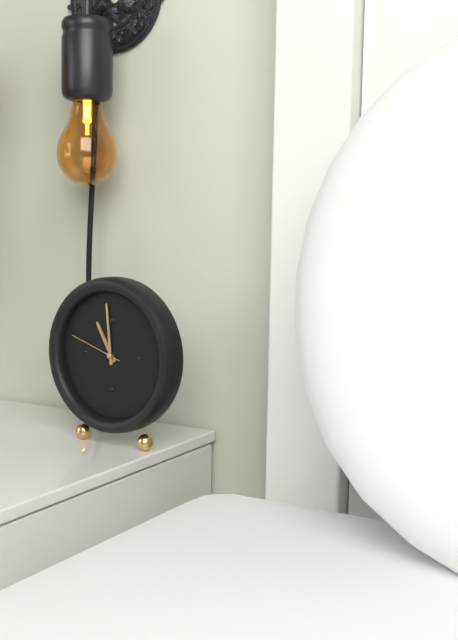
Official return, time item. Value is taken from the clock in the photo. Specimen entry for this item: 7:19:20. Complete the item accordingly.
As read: 10:59:48
